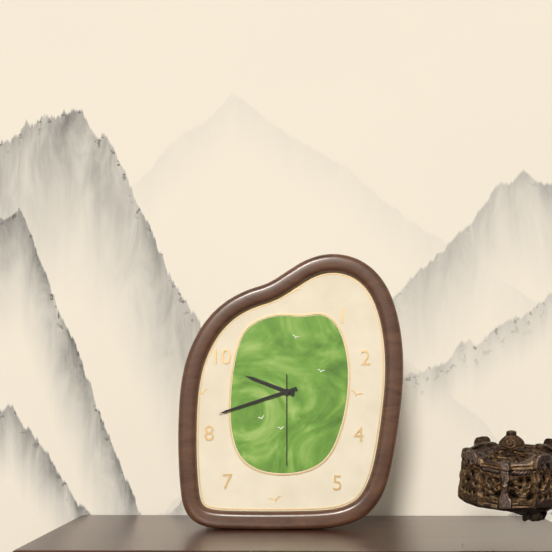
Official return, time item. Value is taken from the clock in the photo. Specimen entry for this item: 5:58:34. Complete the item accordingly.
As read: 9:42:30
